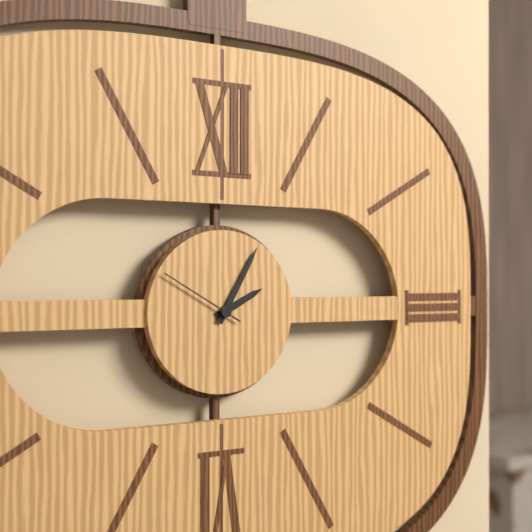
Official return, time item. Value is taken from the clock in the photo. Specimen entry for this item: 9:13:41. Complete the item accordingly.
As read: 2:05:50
